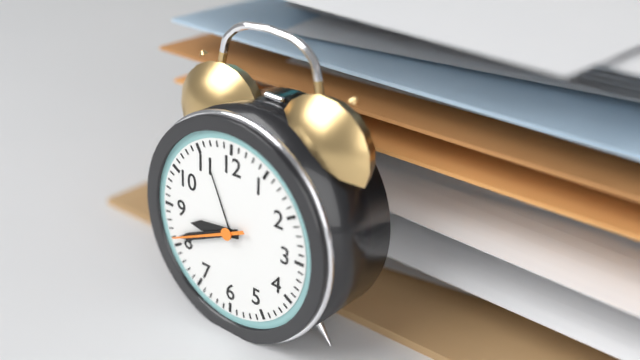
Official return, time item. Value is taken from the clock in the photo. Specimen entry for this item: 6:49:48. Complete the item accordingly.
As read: 8:41:41
